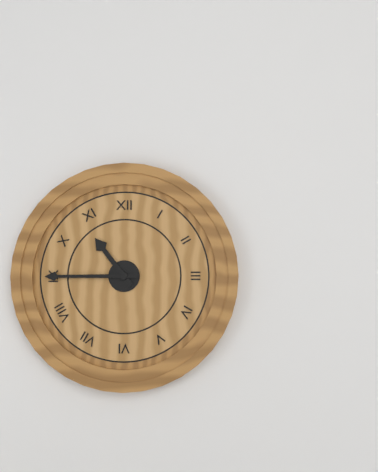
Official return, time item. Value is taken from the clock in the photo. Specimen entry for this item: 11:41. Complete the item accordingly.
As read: 10:45
